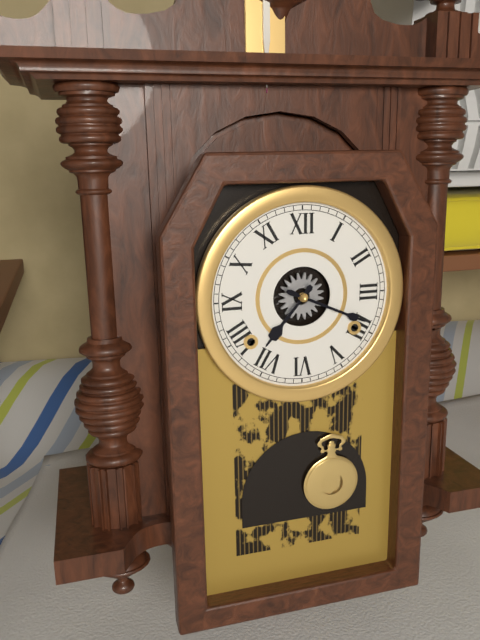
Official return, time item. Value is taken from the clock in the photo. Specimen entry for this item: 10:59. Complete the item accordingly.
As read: 7:19
